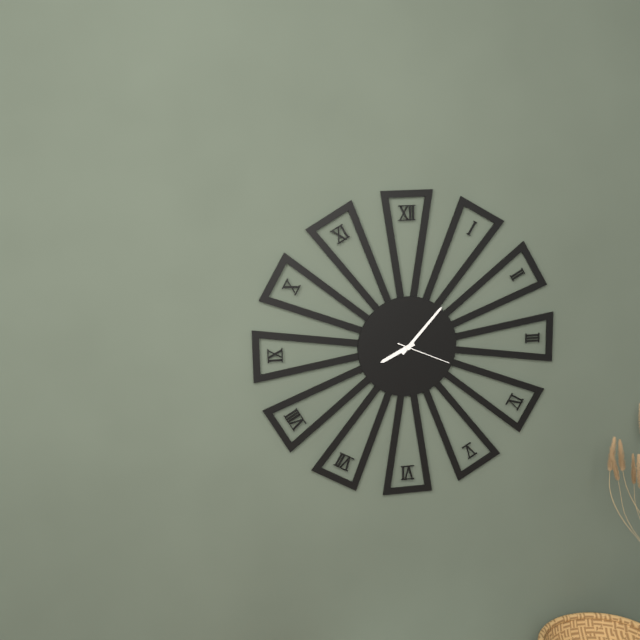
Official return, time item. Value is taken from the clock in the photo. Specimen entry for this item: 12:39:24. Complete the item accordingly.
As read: 8:07:19
